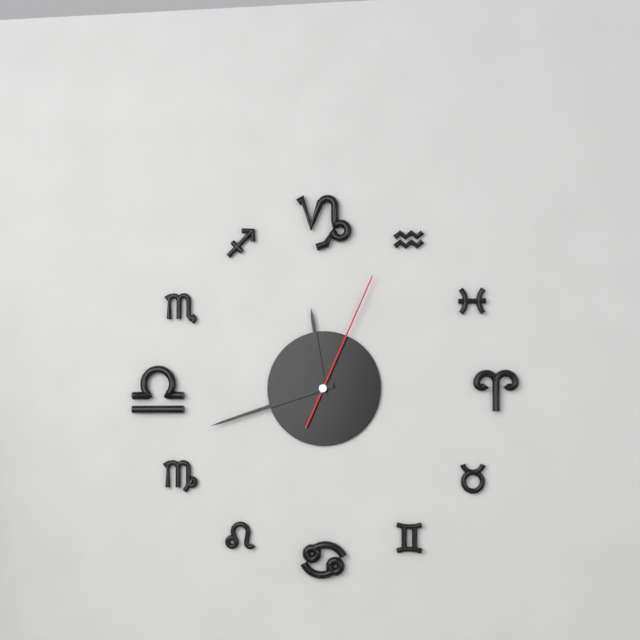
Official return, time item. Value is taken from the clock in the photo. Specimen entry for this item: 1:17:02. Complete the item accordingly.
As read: 11:42:04
